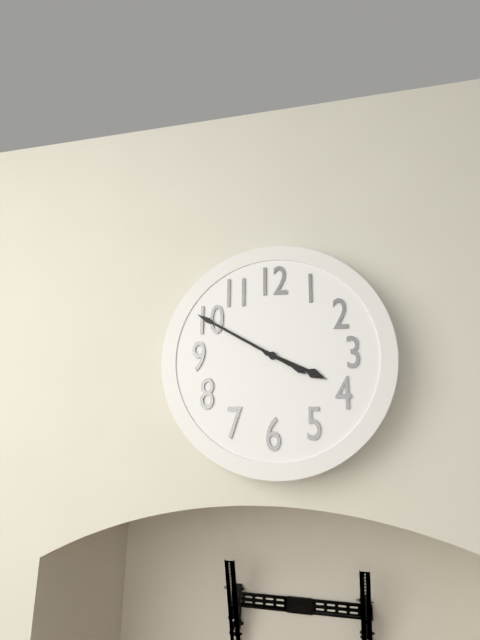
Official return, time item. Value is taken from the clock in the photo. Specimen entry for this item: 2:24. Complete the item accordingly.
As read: 3:50
